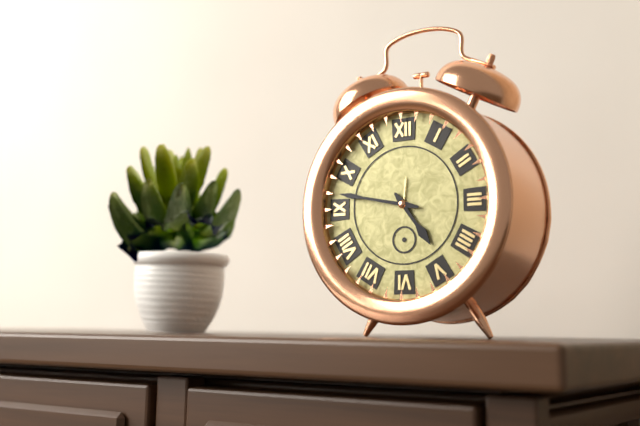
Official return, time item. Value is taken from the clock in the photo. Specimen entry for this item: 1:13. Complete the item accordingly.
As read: 4:47
